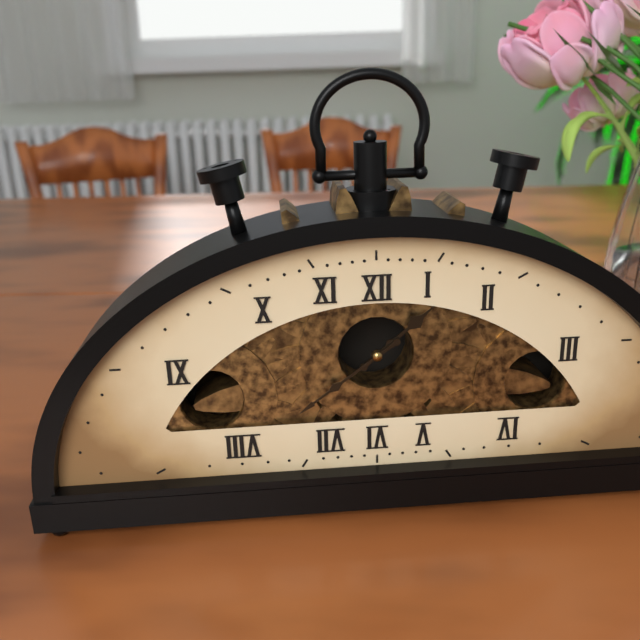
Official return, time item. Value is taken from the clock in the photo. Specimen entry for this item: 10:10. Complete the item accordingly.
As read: 1:39
